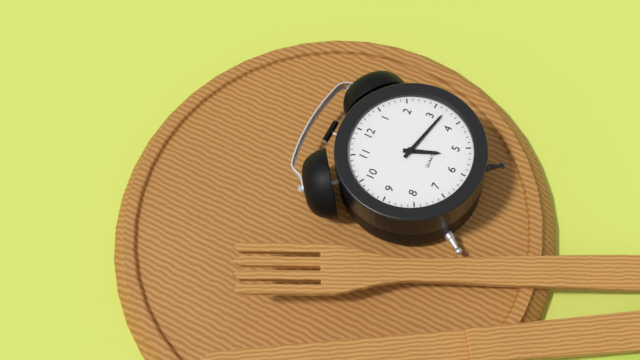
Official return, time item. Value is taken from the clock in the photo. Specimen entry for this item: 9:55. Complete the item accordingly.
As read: 5:17
